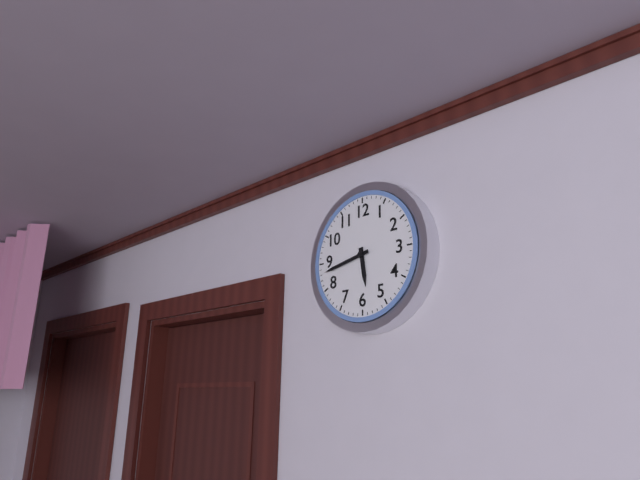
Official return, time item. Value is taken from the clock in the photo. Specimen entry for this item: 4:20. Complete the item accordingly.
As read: 5:43
